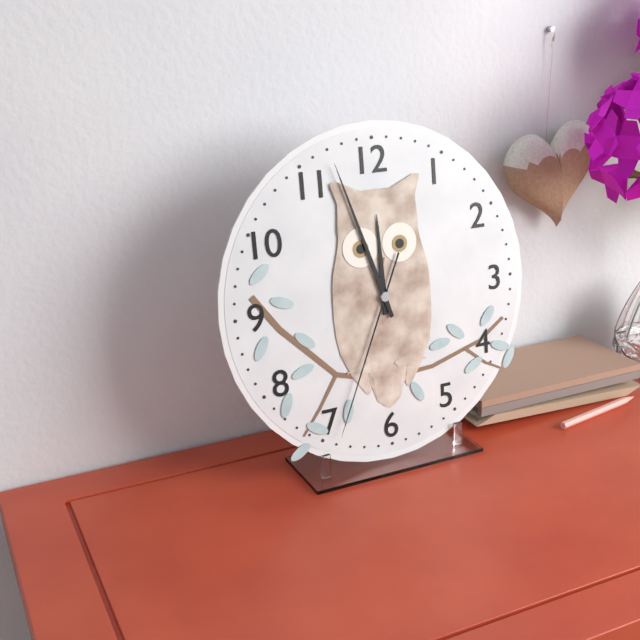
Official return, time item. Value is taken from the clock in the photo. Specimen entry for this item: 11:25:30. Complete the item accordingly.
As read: 11:57:34
